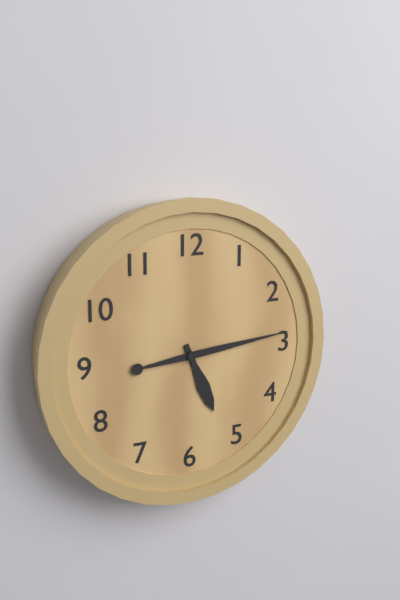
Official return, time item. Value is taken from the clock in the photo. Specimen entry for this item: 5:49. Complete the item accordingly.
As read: 5:14
